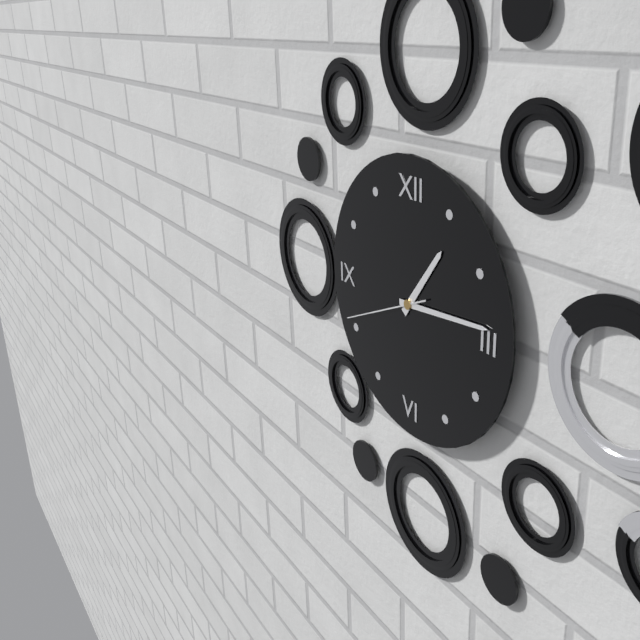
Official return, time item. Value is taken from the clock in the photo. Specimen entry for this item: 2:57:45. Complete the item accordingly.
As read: 1:14:41
